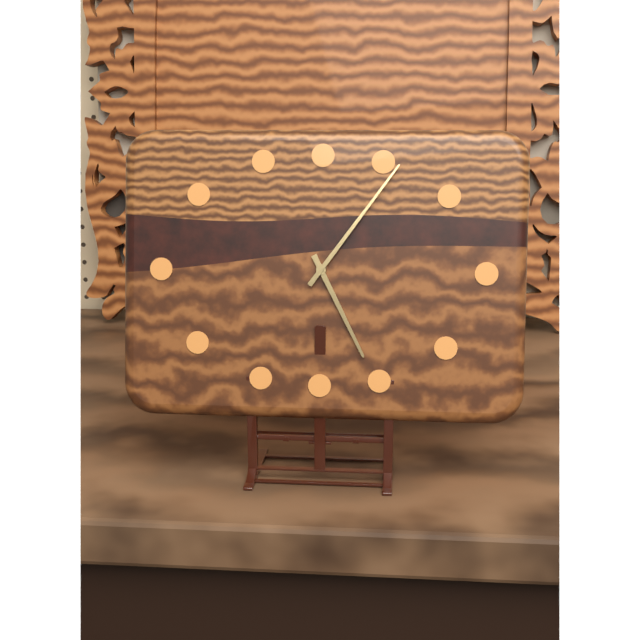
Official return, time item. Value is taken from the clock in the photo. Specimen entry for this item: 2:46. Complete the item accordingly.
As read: 5:06
